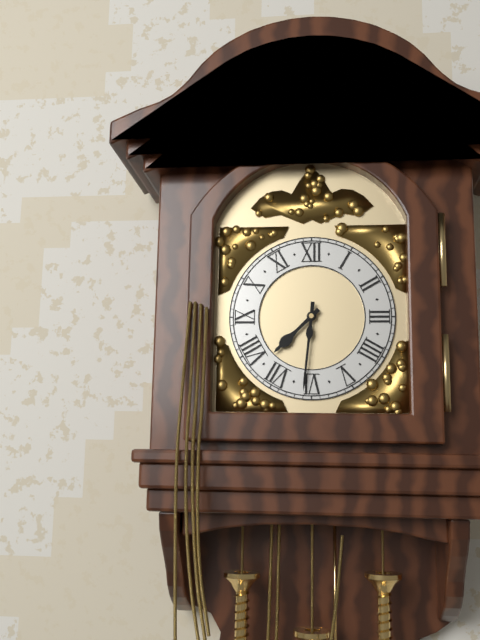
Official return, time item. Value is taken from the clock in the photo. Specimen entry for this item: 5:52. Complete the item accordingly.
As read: 7:31
